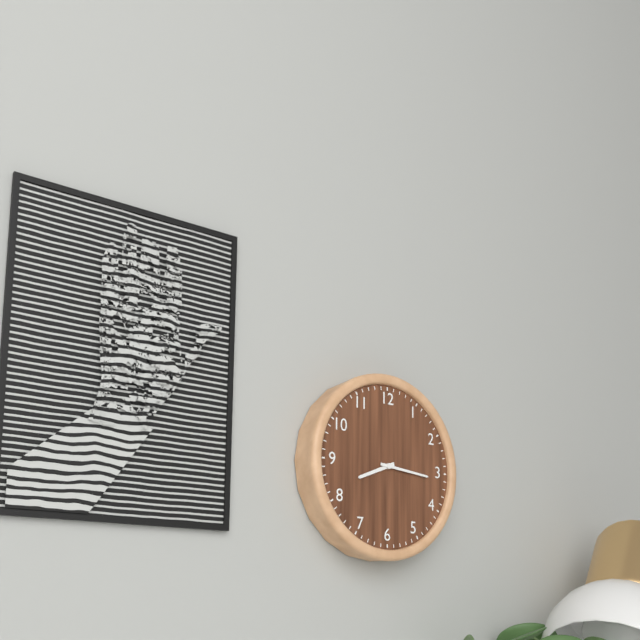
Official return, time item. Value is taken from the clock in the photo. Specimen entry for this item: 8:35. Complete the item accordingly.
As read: 8:16
